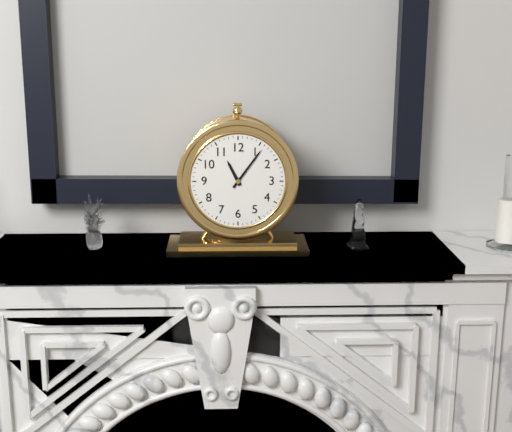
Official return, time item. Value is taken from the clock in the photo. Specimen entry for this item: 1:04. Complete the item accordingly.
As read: 11:06
